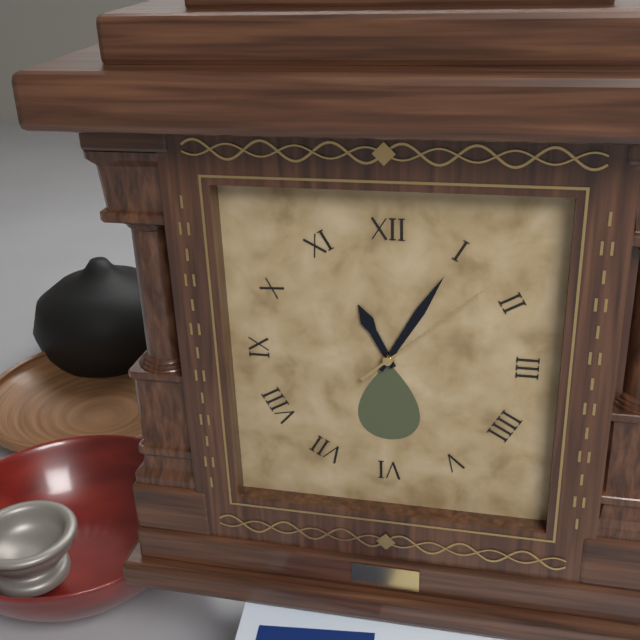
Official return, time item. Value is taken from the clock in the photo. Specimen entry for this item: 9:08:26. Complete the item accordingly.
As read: 11:05:08
